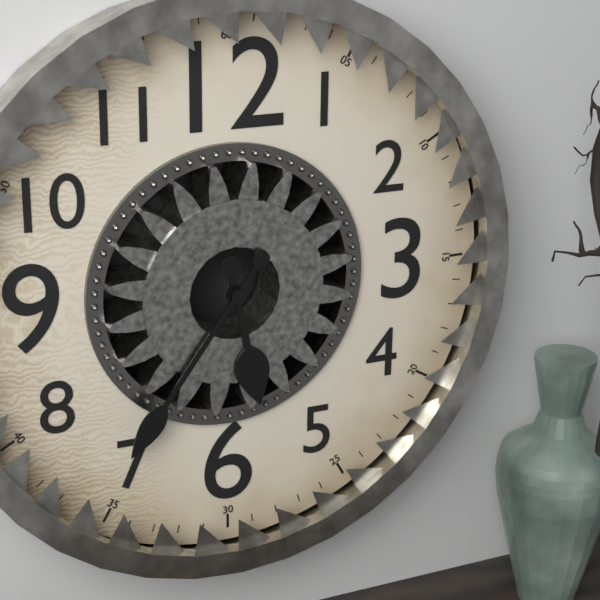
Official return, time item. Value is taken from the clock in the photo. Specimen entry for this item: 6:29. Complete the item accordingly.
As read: 5:36
